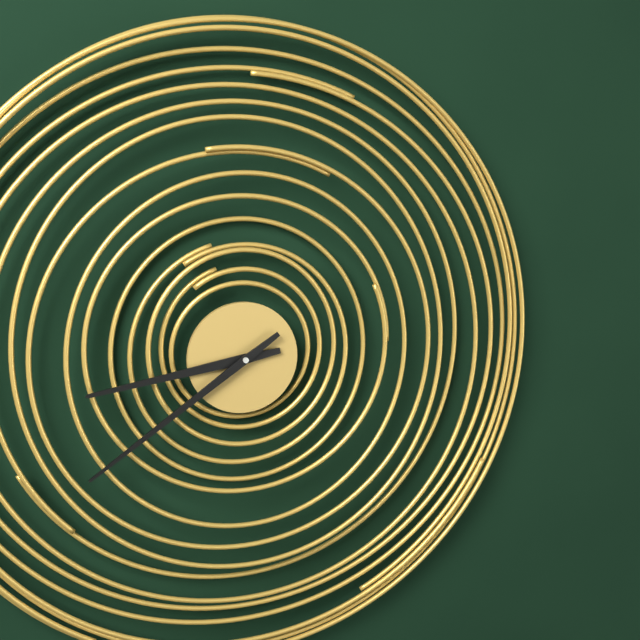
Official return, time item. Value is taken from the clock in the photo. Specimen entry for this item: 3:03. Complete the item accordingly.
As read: 8:39
